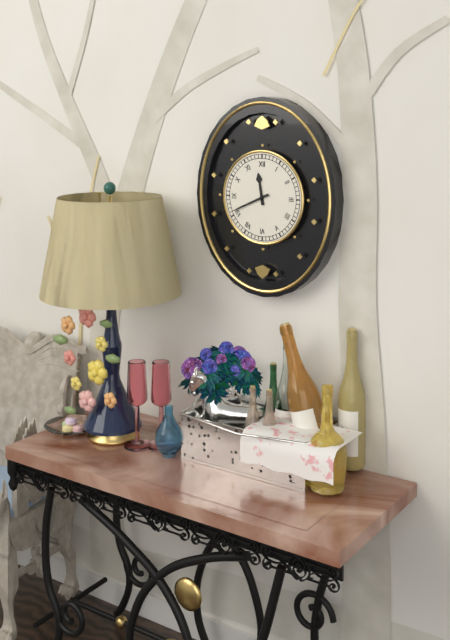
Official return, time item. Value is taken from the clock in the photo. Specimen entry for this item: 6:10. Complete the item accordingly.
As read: 11:41
